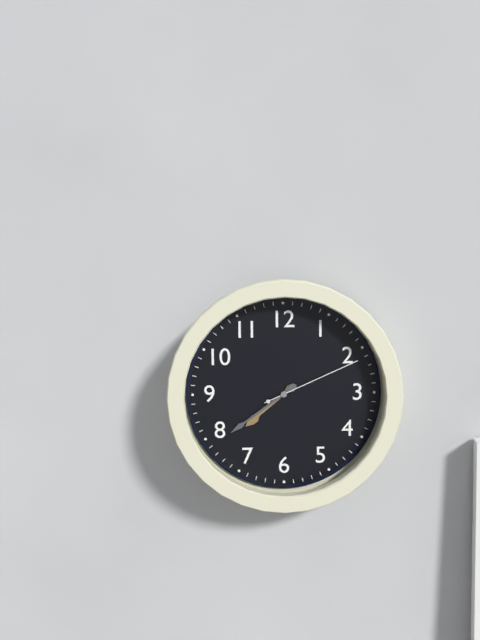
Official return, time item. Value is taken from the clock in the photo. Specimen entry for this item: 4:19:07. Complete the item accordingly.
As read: 7:39:11
